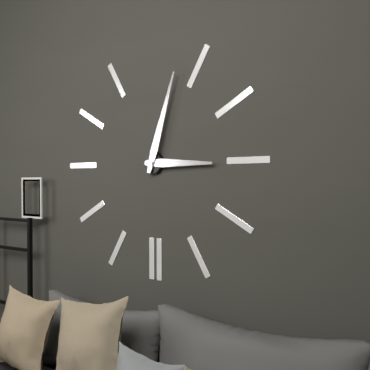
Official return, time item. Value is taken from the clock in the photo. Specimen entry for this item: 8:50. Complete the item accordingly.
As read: 3:03
